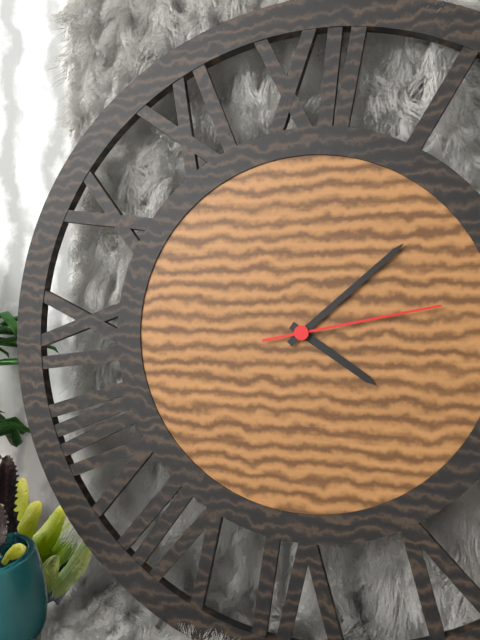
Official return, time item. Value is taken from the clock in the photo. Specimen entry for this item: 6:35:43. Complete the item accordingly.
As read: 4:08:13
